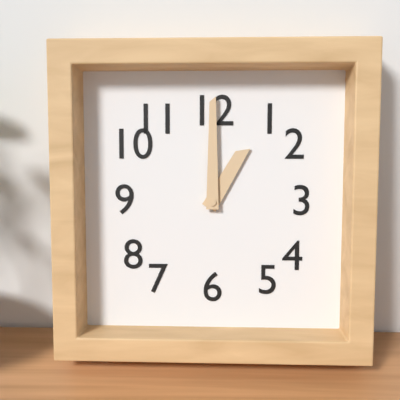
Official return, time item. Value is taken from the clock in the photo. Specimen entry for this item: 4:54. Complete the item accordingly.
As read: 1:00
